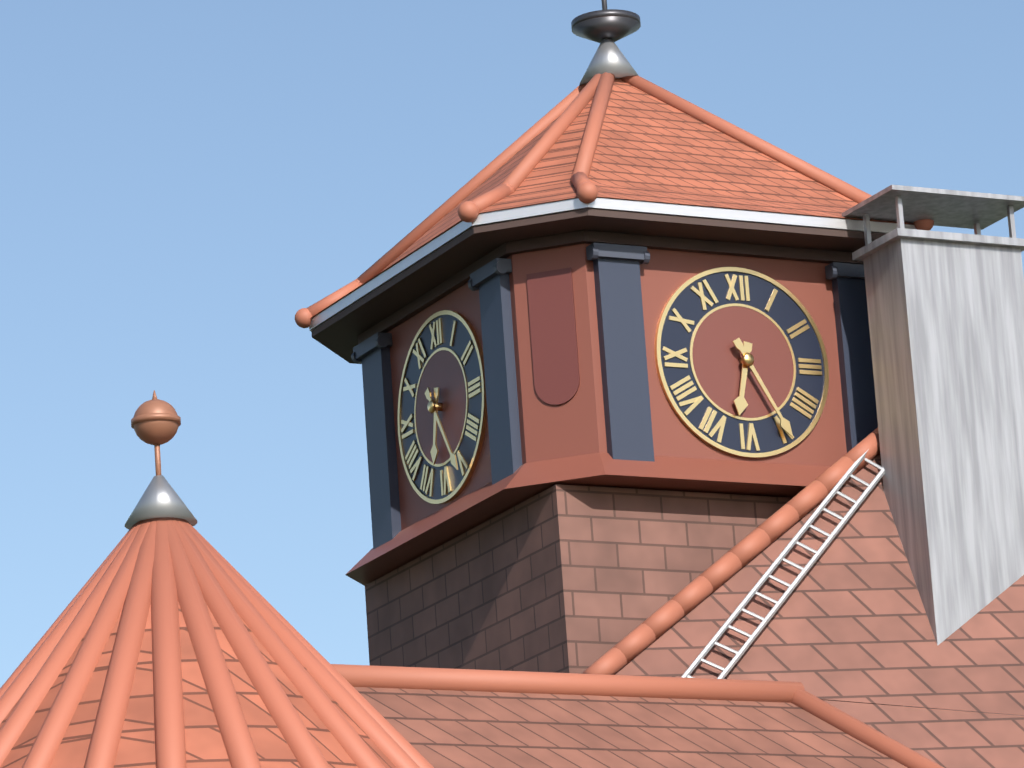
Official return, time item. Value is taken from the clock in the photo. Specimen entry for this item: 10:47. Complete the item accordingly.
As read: 6:25
